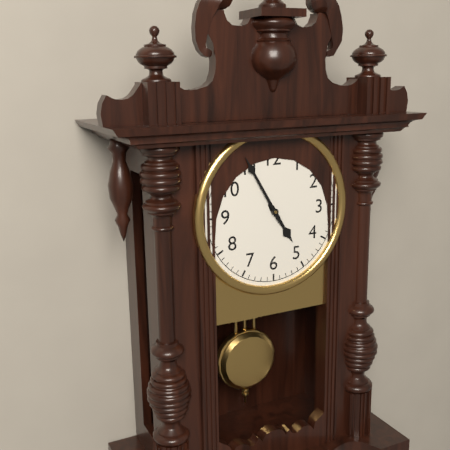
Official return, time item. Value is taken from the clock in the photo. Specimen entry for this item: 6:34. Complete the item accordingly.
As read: 4:55
